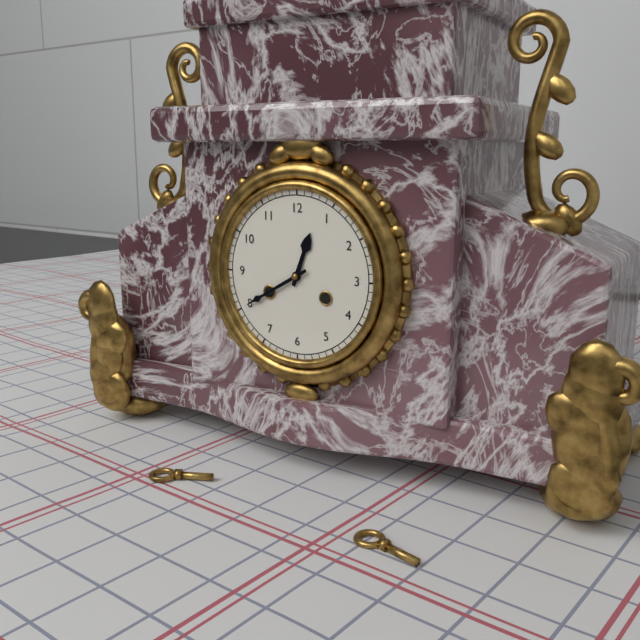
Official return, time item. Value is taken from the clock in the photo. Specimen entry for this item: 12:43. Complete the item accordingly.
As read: 12:40
